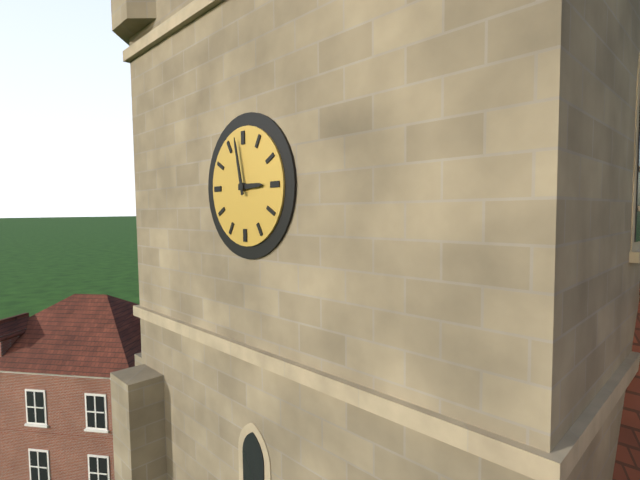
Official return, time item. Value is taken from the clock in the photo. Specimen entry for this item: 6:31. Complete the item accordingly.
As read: 2:58
